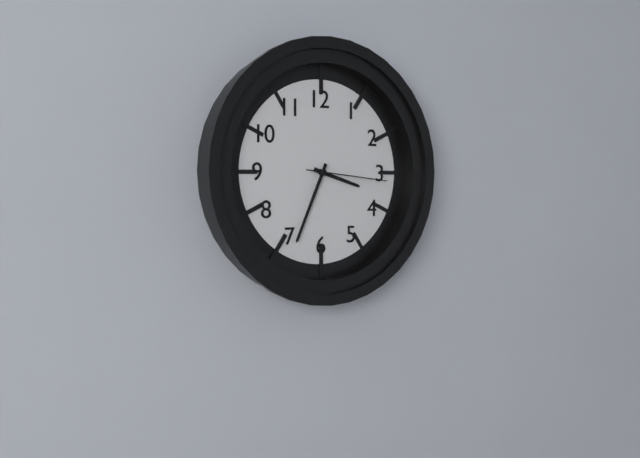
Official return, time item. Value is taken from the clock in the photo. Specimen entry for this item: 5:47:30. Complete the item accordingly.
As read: 3:34:16
